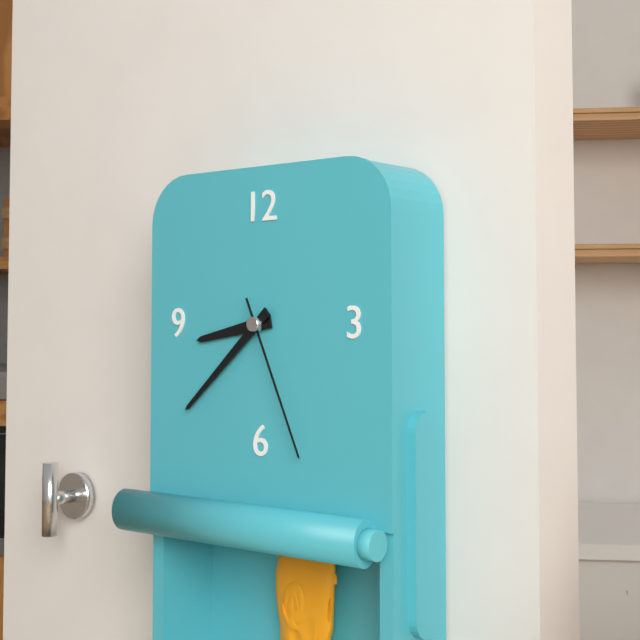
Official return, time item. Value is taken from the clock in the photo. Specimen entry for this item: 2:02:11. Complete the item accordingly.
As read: 8:38:26
